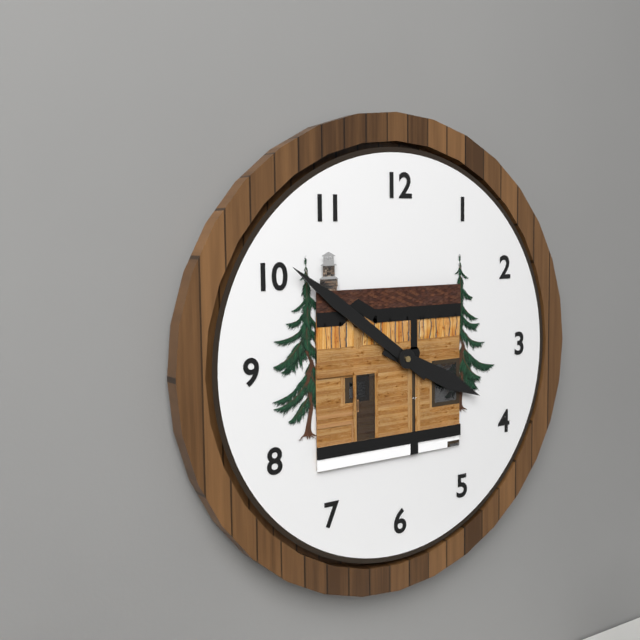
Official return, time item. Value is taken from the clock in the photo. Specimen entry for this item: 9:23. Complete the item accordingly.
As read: 3:51
